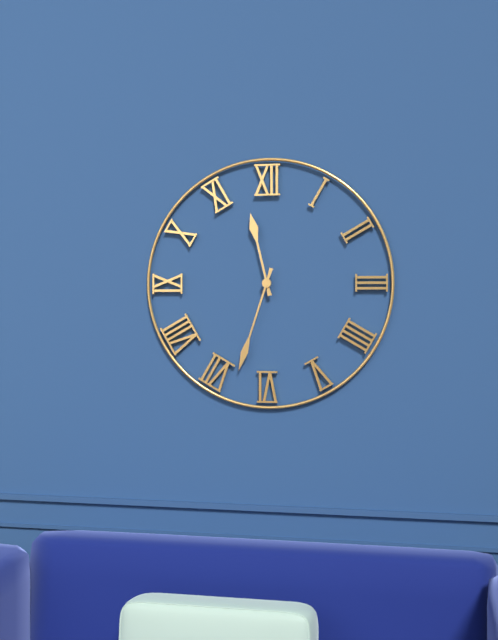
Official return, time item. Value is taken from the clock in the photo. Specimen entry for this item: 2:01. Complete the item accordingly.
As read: 11:33
